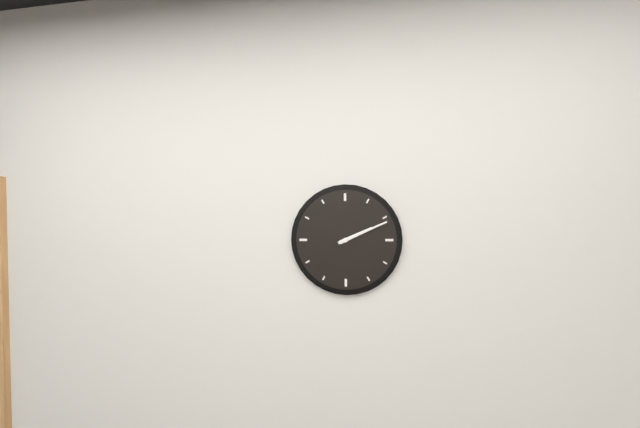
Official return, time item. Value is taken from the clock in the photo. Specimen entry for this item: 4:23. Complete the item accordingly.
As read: 2:11
